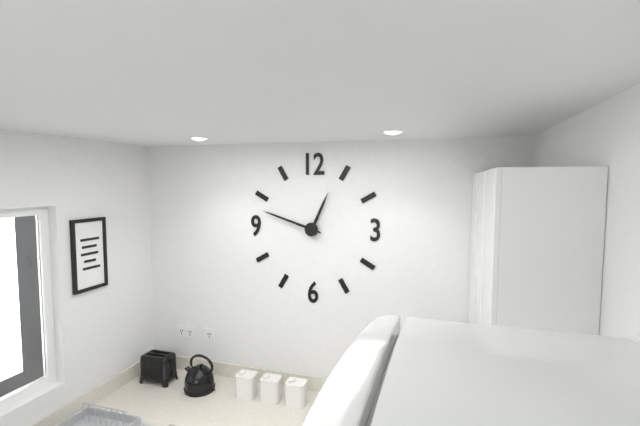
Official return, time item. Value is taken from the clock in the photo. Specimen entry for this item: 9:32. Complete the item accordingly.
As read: 12:48
